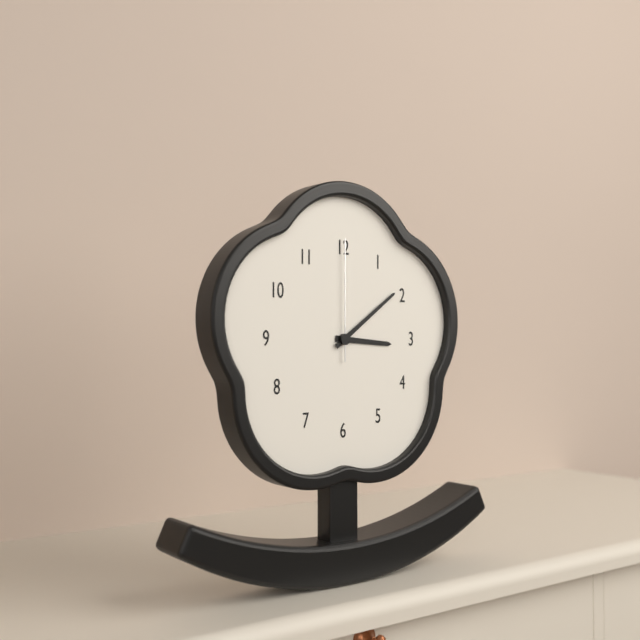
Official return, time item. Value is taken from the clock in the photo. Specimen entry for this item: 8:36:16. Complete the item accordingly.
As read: 3:09:00
